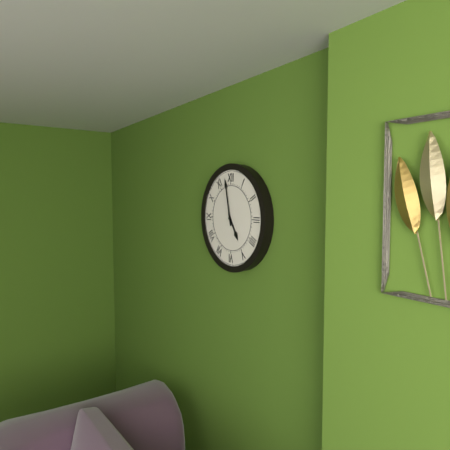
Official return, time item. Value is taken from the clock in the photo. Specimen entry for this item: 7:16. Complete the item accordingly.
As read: 4:58
